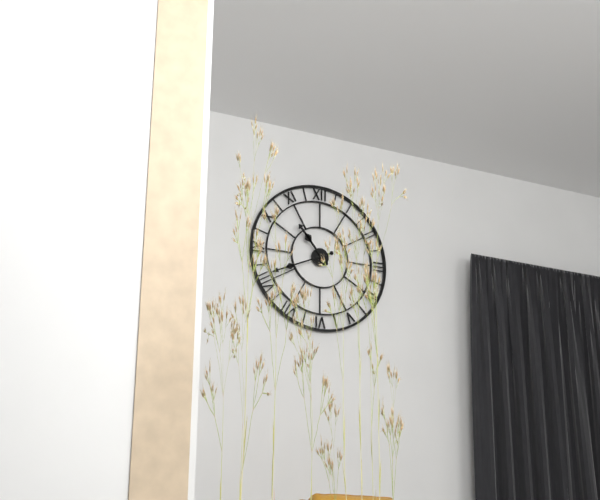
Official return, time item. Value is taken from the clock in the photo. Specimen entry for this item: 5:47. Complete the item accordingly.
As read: 10:41
